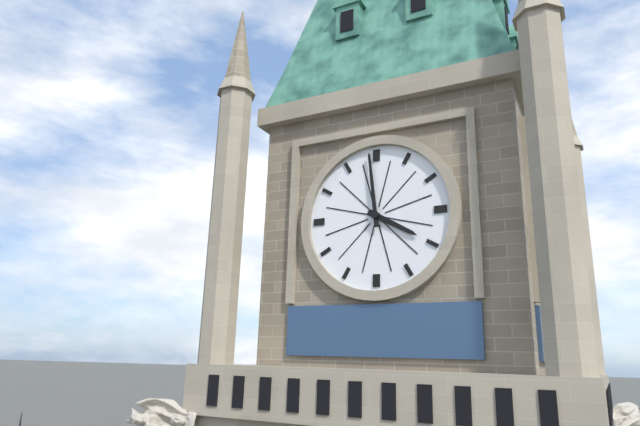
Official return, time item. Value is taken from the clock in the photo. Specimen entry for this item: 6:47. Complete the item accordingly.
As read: 3:59
